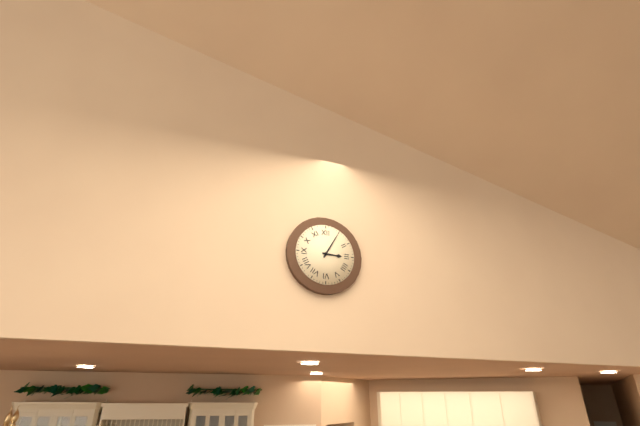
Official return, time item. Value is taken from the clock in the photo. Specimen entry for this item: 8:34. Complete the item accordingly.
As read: 3:05
